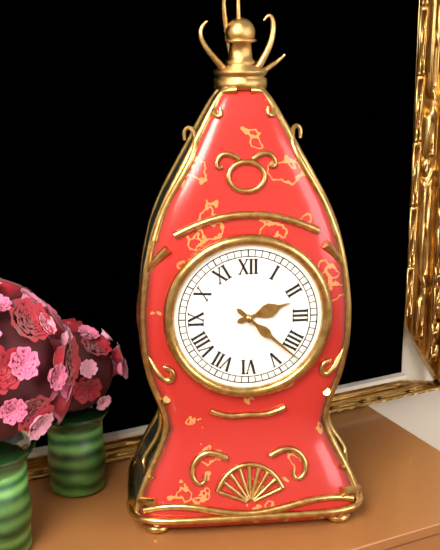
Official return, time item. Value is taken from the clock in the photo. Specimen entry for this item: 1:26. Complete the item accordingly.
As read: 2:22
